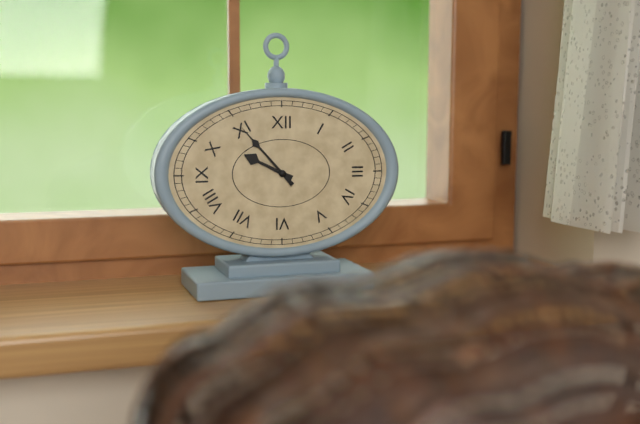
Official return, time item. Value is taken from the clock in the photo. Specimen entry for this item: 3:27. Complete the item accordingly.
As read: 9:53
